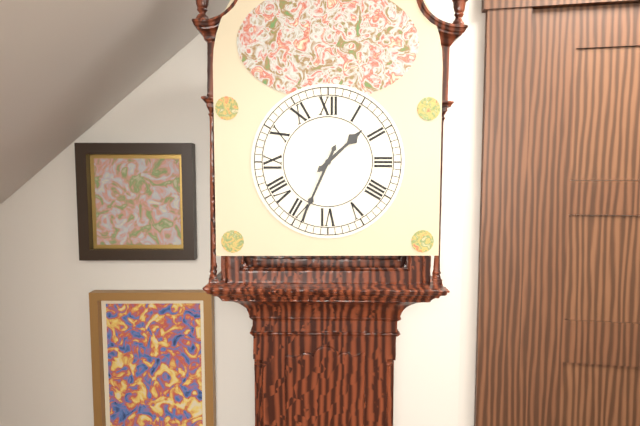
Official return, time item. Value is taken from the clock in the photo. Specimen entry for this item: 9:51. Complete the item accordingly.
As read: 1:34
